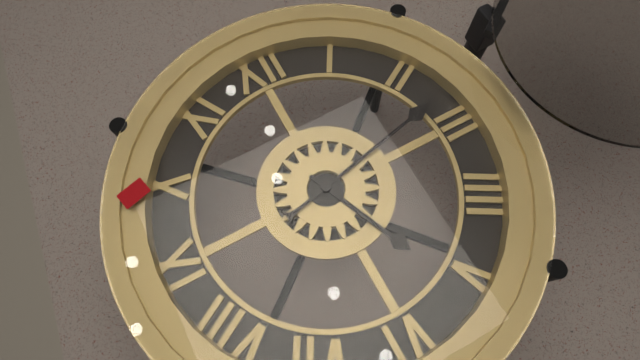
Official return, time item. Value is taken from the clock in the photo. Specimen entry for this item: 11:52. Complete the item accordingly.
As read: 5:13
